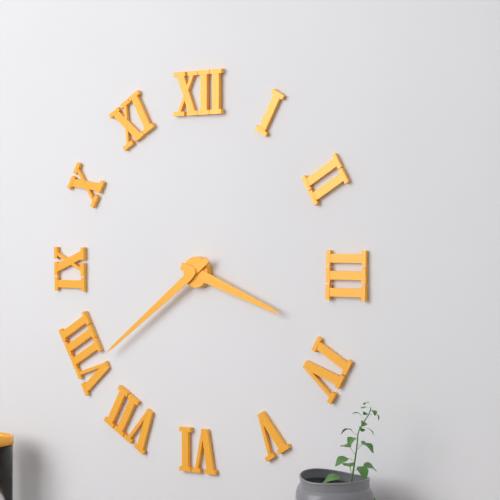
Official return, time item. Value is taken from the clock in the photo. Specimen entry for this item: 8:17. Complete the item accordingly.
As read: 3:39
